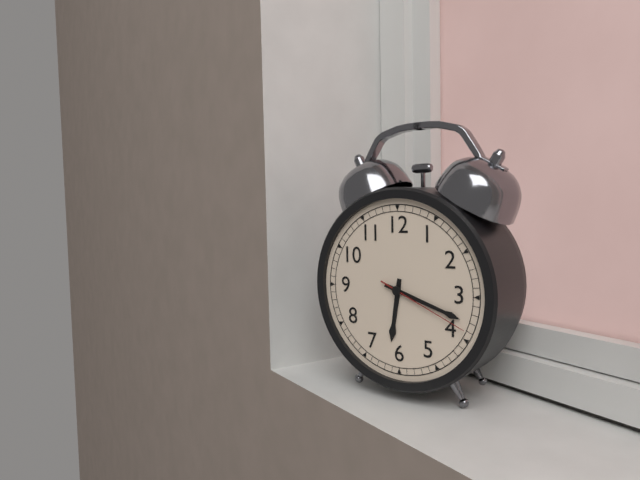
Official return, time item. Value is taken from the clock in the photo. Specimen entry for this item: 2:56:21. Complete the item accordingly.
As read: 6:18:19
